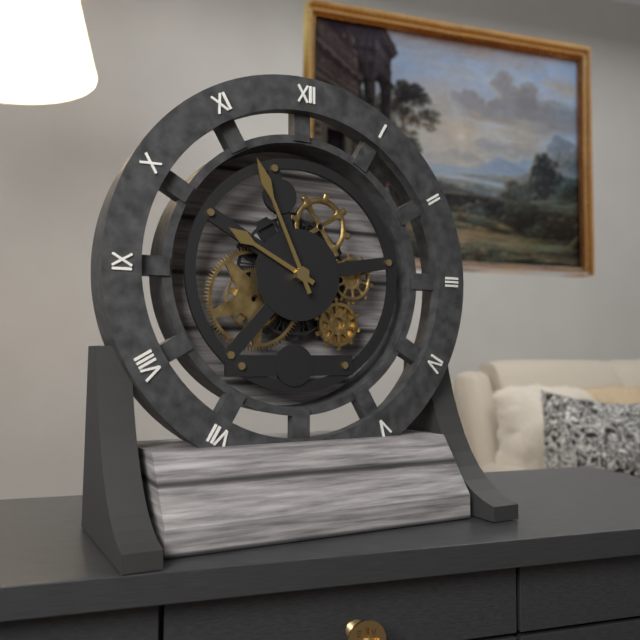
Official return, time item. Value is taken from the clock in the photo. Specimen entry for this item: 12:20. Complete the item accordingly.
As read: 9:56
